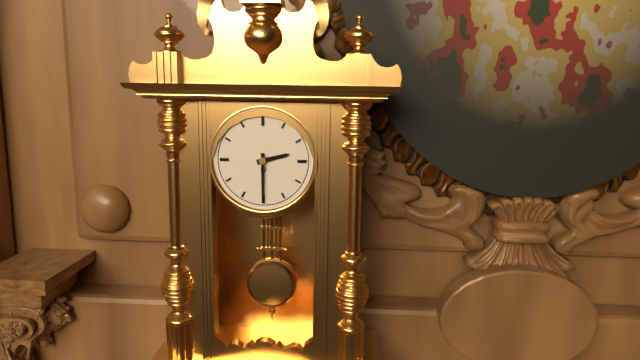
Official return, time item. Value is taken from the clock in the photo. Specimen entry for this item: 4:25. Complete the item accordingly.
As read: 2:30
